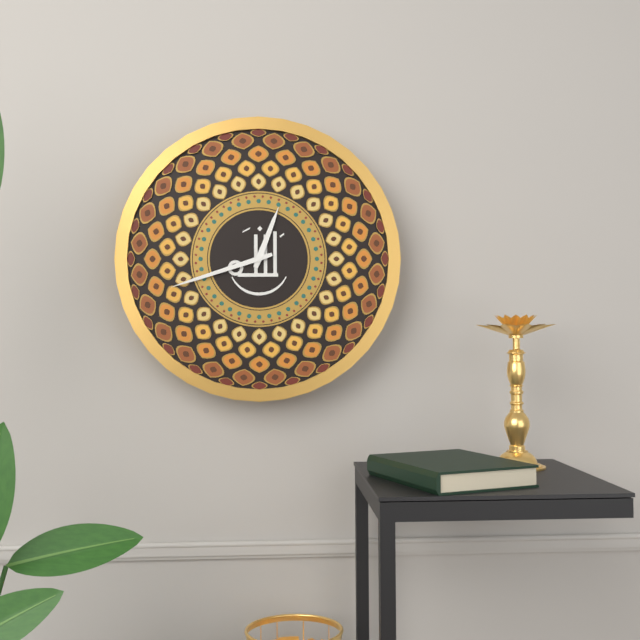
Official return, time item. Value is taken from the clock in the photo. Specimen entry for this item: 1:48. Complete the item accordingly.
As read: 12:42
